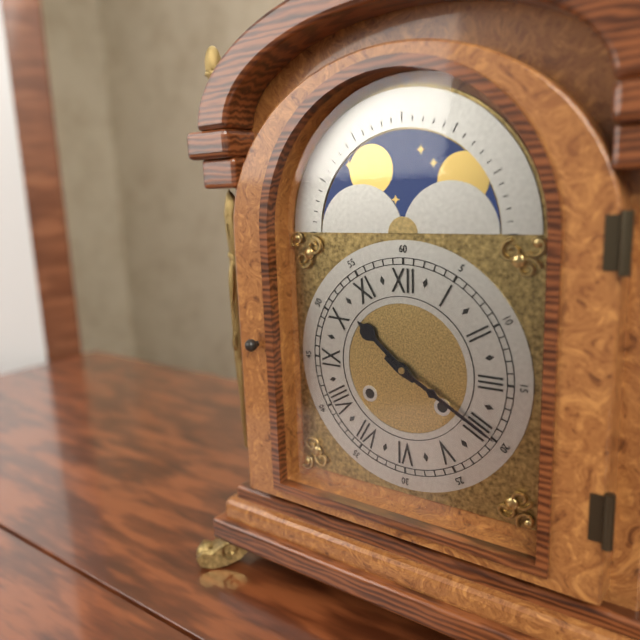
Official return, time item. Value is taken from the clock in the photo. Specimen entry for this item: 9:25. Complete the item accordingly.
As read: 10:20
